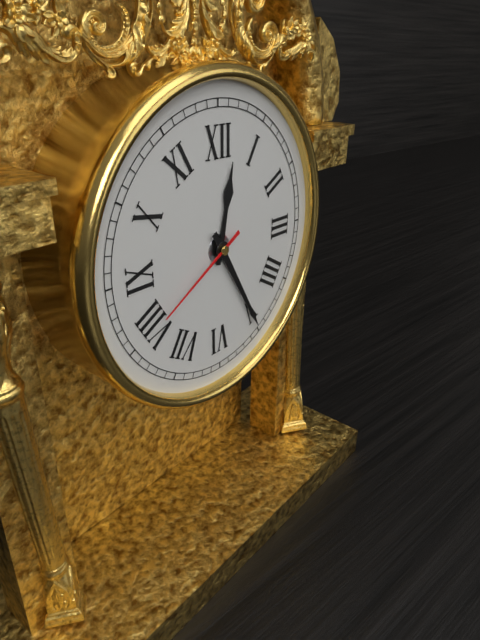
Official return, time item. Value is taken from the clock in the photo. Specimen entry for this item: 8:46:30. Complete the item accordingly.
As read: 12:25:40
